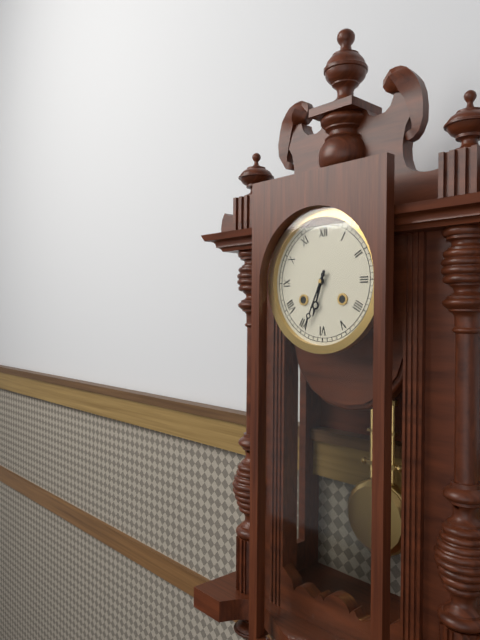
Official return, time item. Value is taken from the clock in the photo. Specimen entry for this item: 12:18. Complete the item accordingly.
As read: 6:34
